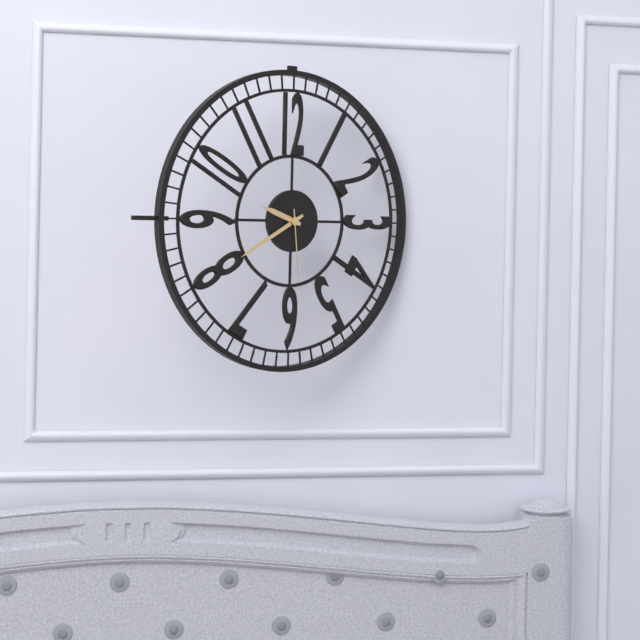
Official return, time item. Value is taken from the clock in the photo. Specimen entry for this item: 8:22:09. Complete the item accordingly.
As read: 9:40:29
